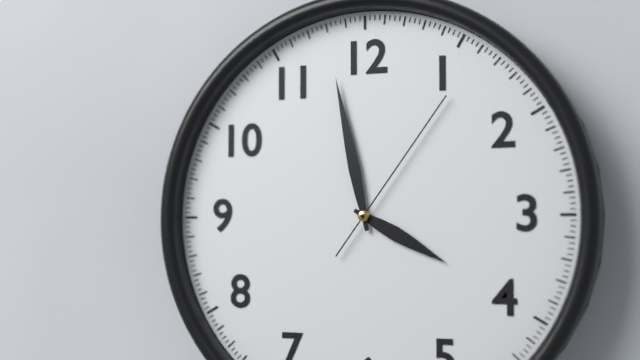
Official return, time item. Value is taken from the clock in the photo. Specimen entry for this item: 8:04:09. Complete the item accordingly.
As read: 3:58:06
